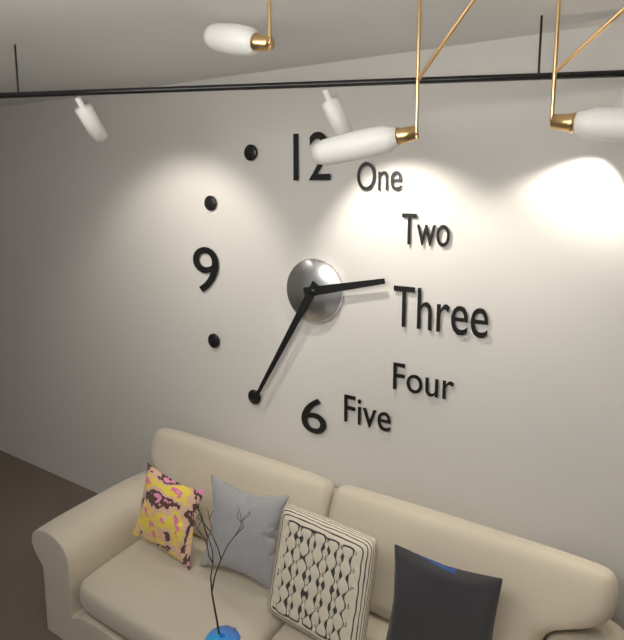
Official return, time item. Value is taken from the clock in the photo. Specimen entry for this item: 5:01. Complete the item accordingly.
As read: 2:35
